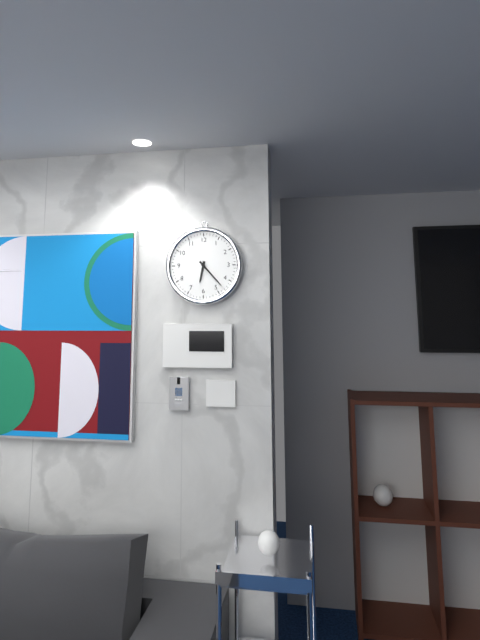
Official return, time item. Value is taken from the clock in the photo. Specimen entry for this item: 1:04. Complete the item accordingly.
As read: 6:23
